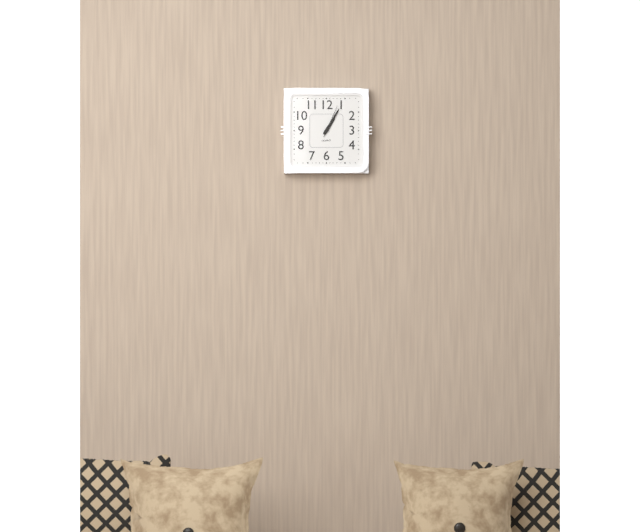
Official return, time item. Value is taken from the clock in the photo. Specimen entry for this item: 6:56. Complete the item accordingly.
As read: 1:05
